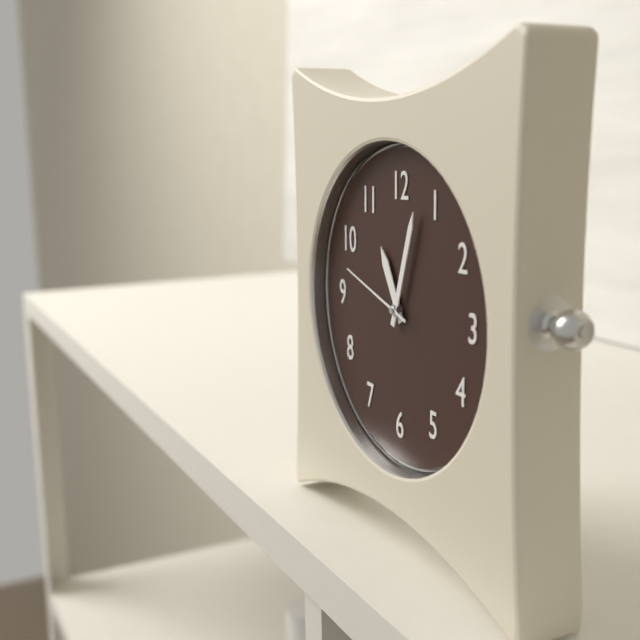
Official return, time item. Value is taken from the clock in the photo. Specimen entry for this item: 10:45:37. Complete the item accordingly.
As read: 11:03:48
